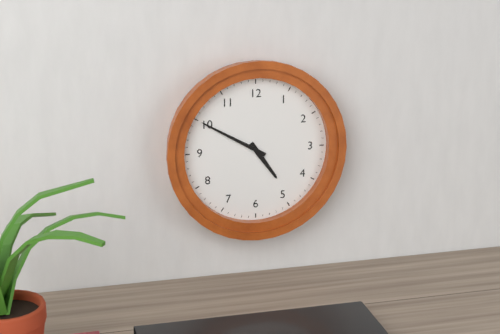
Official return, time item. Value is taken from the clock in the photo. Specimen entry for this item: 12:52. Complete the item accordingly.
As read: 4:50
